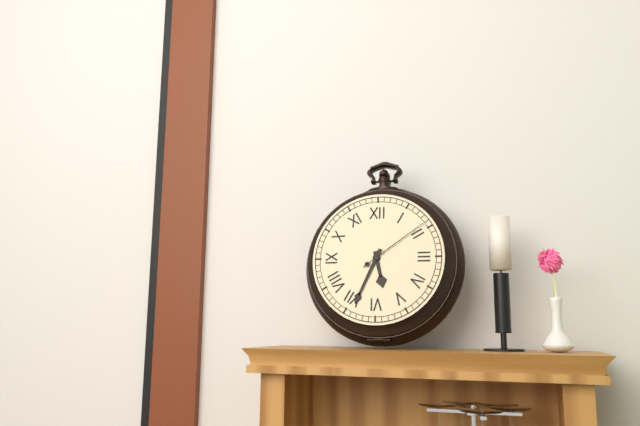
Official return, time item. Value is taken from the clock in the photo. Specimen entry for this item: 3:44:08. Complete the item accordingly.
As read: 5:34:09
